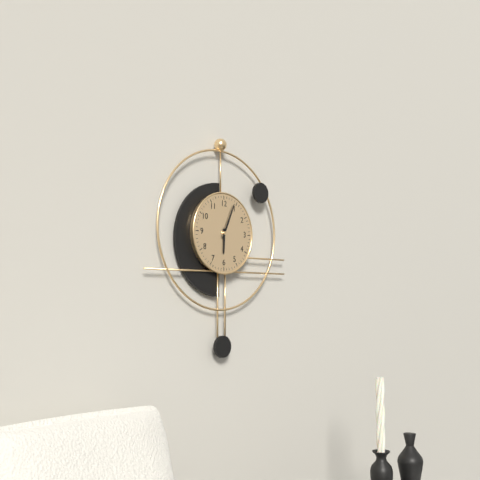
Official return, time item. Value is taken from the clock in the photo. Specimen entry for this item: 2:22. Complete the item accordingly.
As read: 6:04
